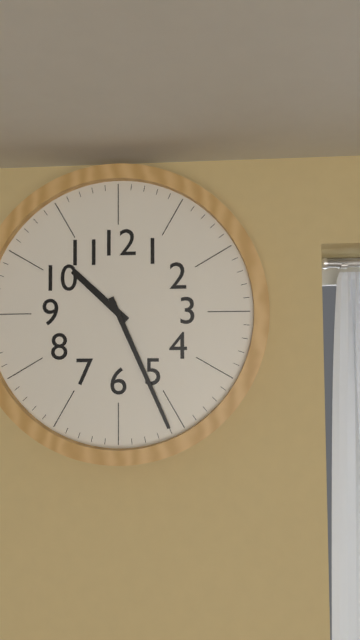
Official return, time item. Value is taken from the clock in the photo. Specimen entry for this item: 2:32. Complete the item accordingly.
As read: 10:26
